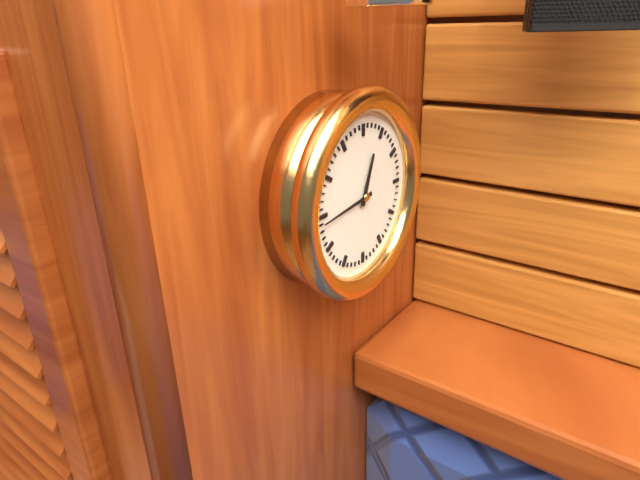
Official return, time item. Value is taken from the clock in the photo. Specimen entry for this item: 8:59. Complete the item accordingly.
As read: 12:44
